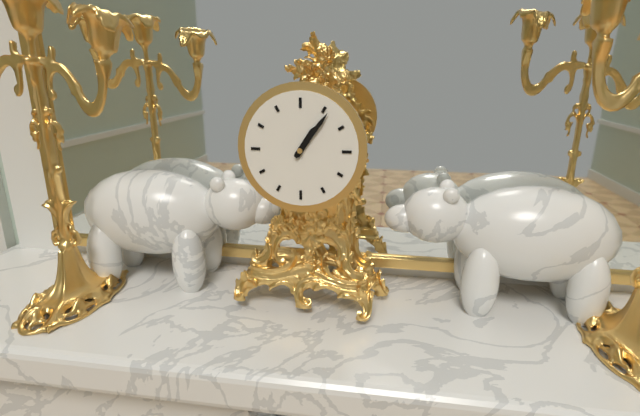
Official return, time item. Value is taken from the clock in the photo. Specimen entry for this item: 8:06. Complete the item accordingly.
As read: 1:06
